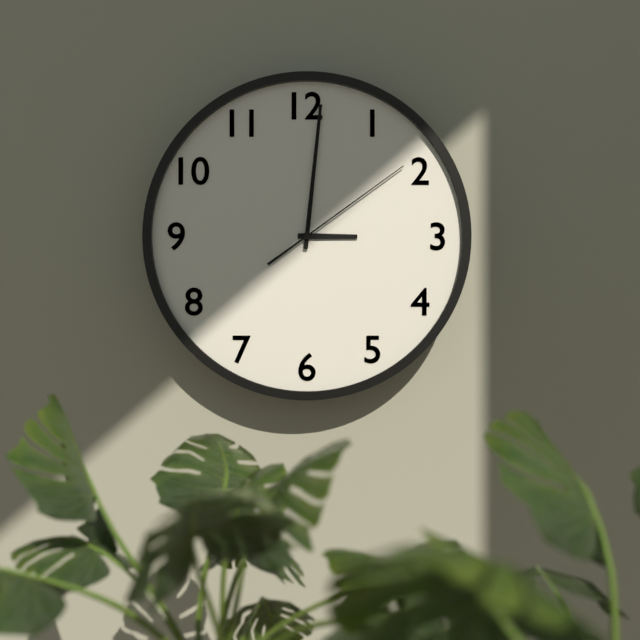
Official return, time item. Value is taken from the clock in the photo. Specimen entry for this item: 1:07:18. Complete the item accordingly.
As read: 3:01:09
